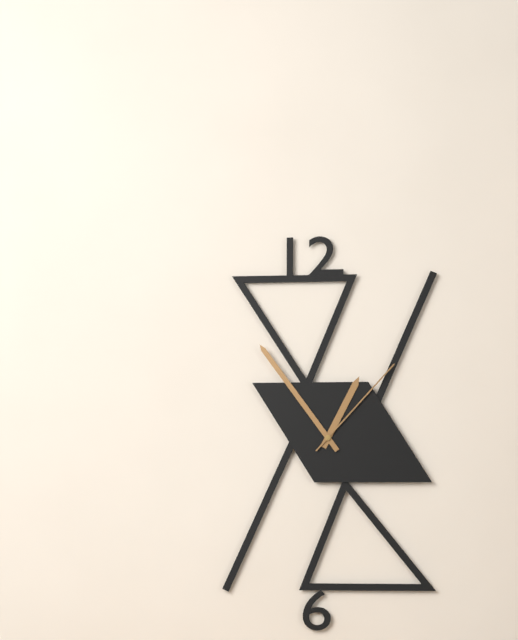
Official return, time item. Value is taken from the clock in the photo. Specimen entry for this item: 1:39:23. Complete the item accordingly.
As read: 12:54:07
